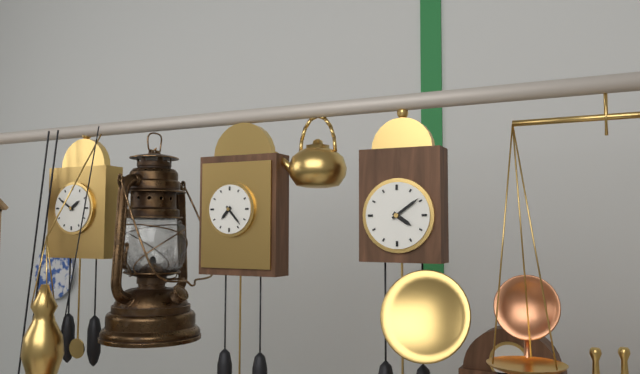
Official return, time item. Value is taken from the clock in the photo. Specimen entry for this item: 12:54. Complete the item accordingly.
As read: 4:09
